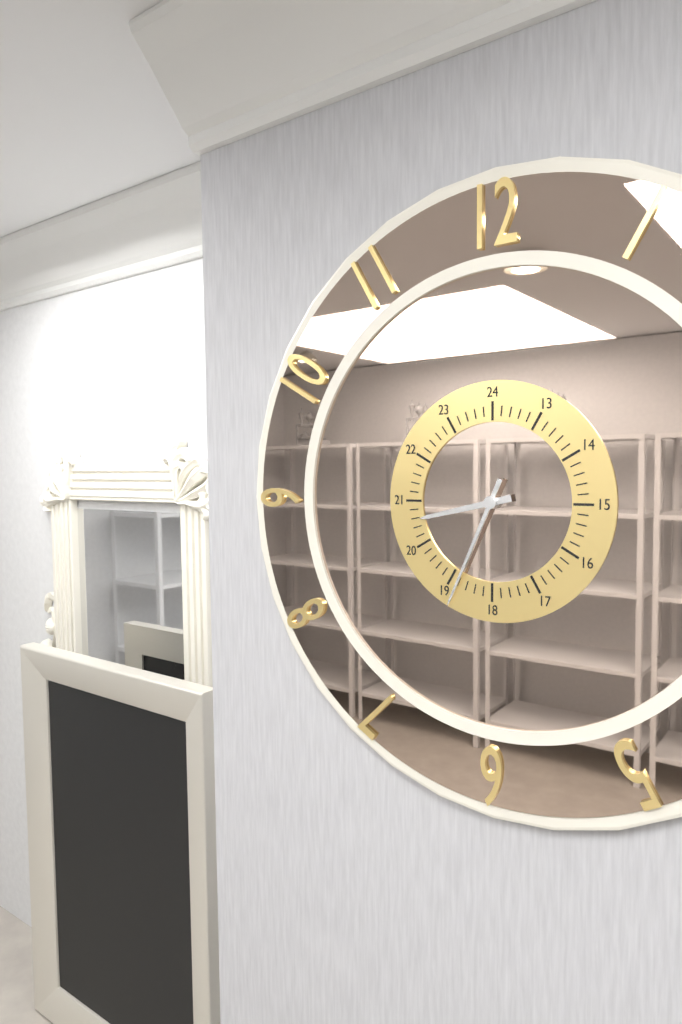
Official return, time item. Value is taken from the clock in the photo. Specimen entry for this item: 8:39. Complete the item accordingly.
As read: 8:34
